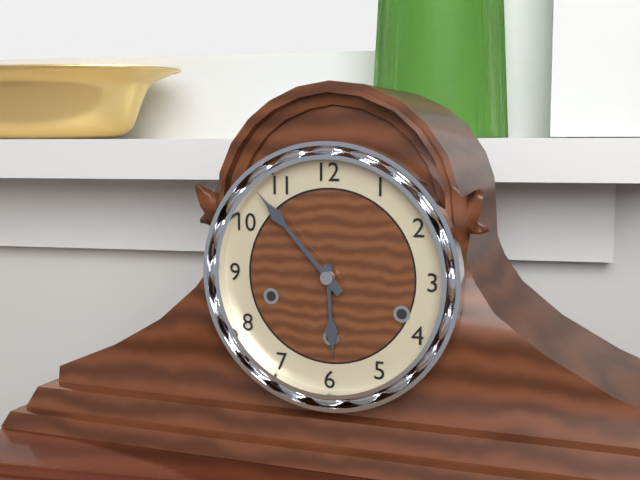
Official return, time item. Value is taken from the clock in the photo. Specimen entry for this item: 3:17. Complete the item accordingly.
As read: 5:53
